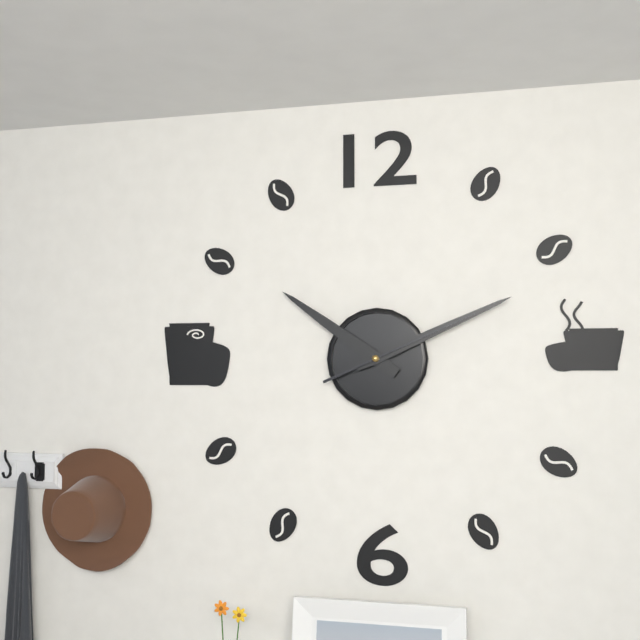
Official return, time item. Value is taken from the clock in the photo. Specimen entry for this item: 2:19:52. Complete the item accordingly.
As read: 10:11:11
